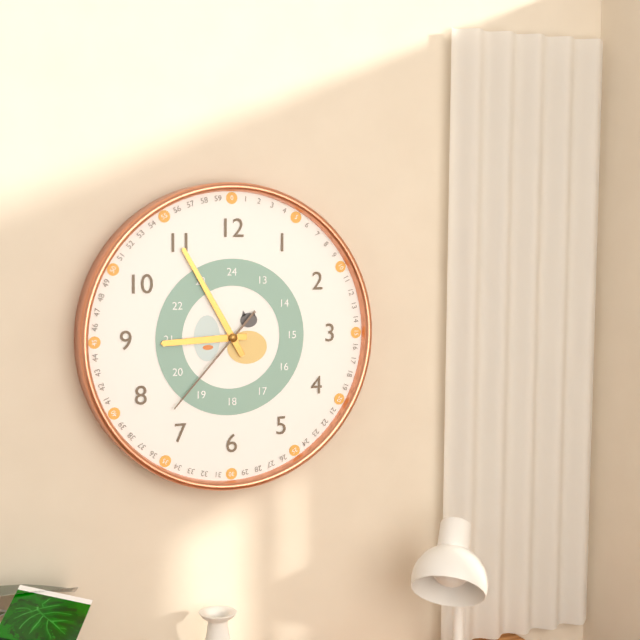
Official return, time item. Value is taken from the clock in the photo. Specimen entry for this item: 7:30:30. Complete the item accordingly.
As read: 8:55:37
